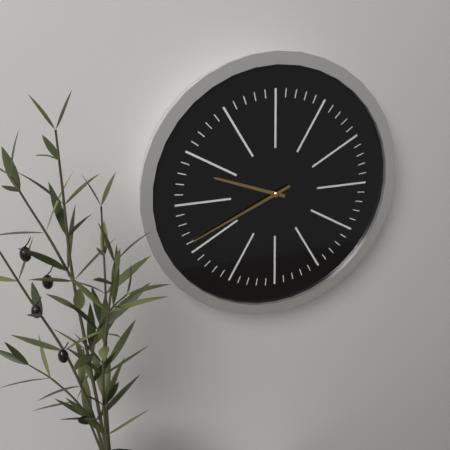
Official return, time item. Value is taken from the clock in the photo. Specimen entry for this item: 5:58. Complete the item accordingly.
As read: 9:41
